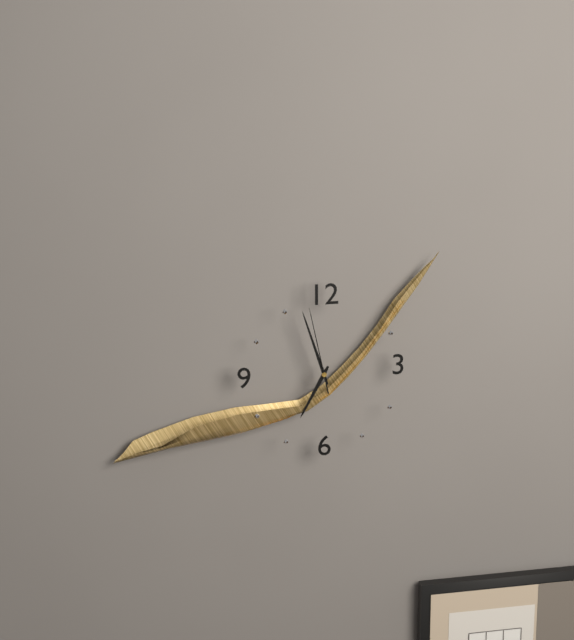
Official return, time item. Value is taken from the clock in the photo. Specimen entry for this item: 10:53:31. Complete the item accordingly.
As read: 6:57:58
